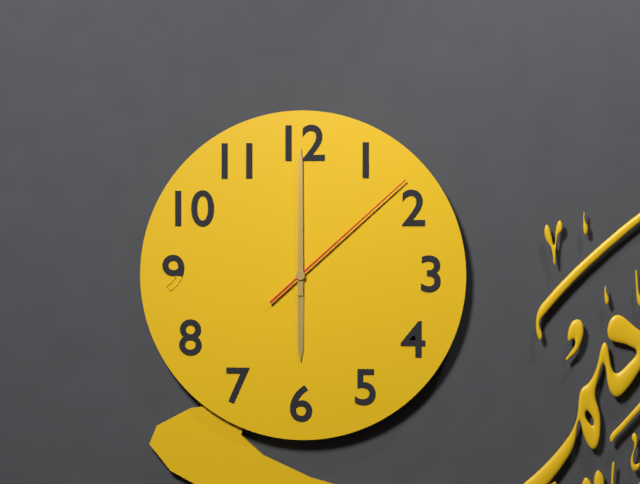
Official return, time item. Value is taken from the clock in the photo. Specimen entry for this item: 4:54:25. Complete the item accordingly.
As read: 6:00:08
